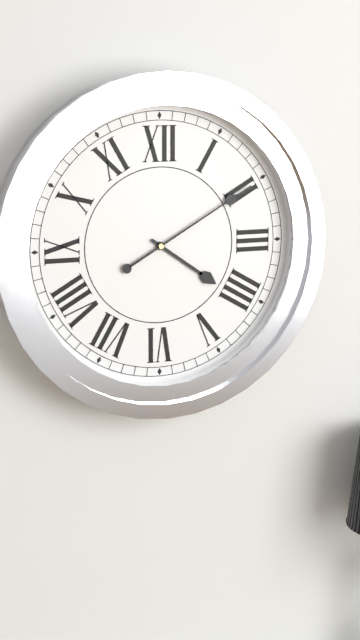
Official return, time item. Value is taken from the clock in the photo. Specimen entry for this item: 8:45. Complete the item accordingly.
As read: 4:10
